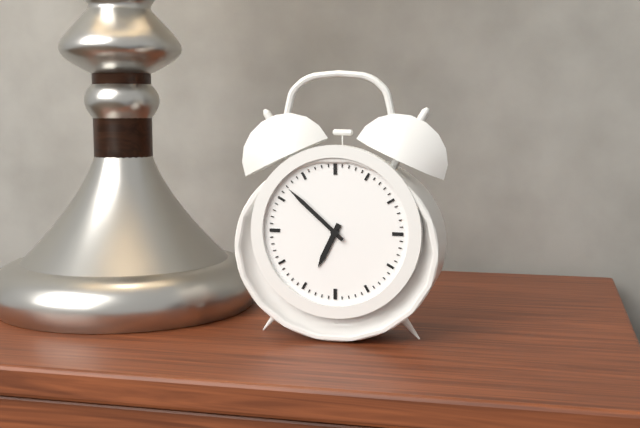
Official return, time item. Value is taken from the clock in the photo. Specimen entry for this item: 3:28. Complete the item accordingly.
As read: 6:52
